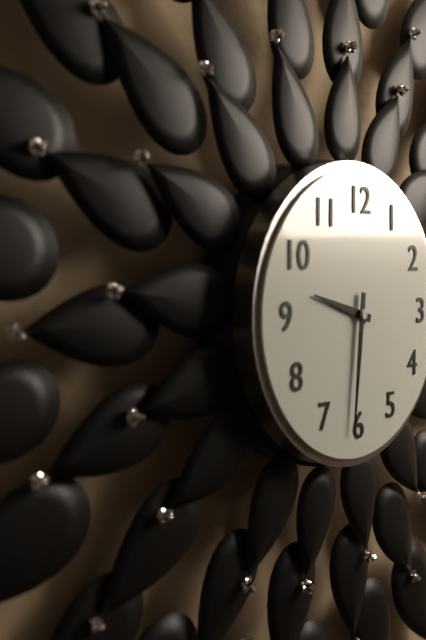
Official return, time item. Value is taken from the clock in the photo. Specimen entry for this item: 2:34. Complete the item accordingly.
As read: 9:31
